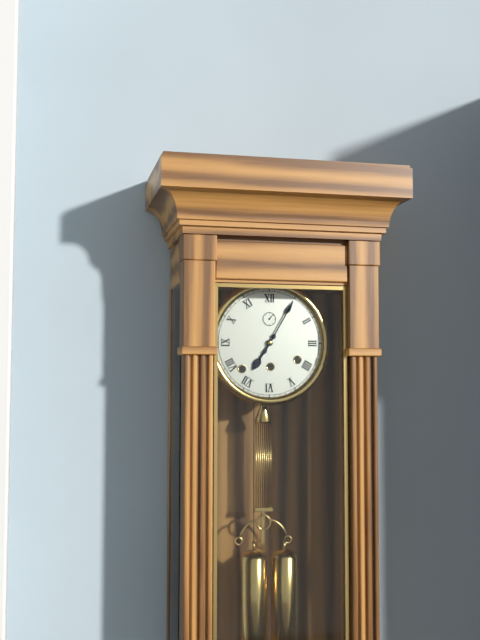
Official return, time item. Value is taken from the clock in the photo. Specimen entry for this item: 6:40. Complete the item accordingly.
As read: 7:05
